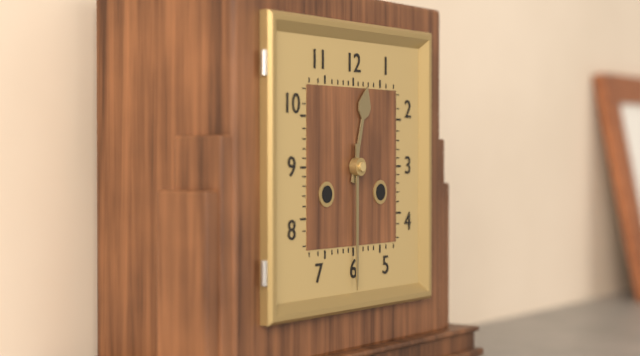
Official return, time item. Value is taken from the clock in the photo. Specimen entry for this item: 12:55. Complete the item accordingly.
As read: 12:30
